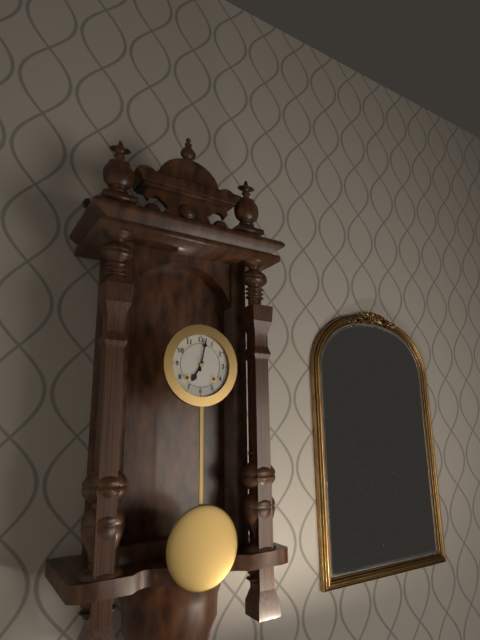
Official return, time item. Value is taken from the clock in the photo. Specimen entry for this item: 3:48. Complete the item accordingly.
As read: 7:02
